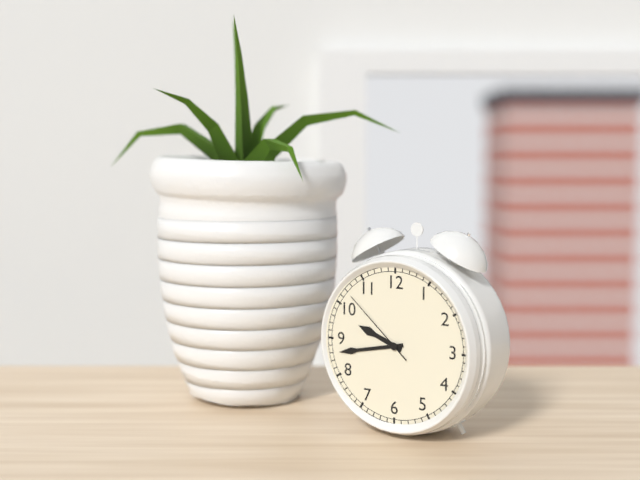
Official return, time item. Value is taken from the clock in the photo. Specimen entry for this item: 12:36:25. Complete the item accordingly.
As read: 9:43:52
